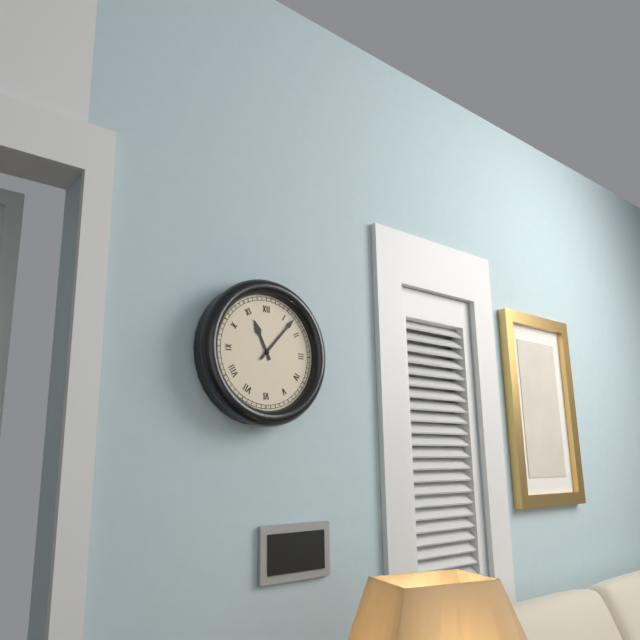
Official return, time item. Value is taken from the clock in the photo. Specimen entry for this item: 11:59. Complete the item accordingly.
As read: 11:07
